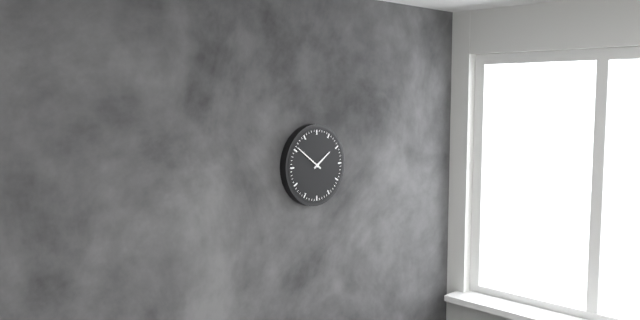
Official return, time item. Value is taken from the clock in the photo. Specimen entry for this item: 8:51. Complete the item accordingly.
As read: 1:51
